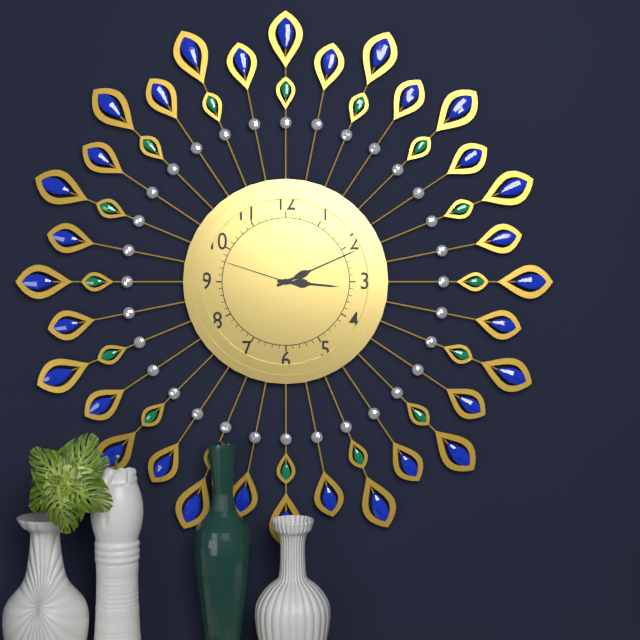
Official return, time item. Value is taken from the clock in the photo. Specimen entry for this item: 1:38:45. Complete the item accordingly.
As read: 3:11:48
